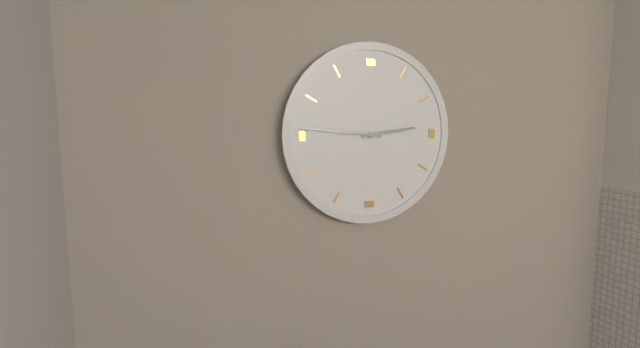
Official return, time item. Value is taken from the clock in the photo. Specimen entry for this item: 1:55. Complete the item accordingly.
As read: 2:46
